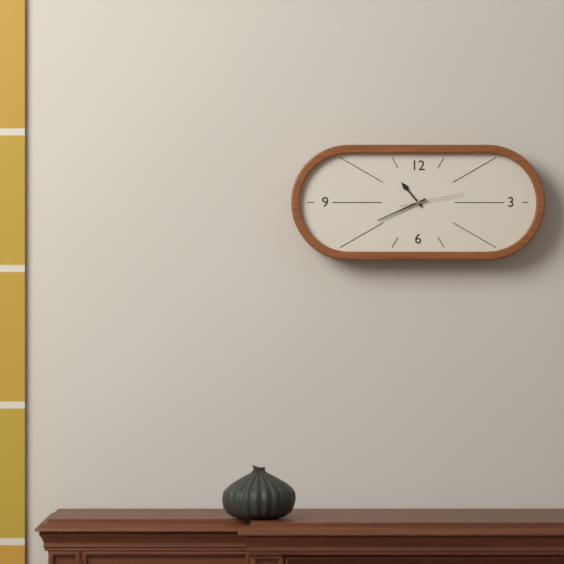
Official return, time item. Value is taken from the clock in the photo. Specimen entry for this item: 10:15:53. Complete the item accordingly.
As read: 10:41:13
